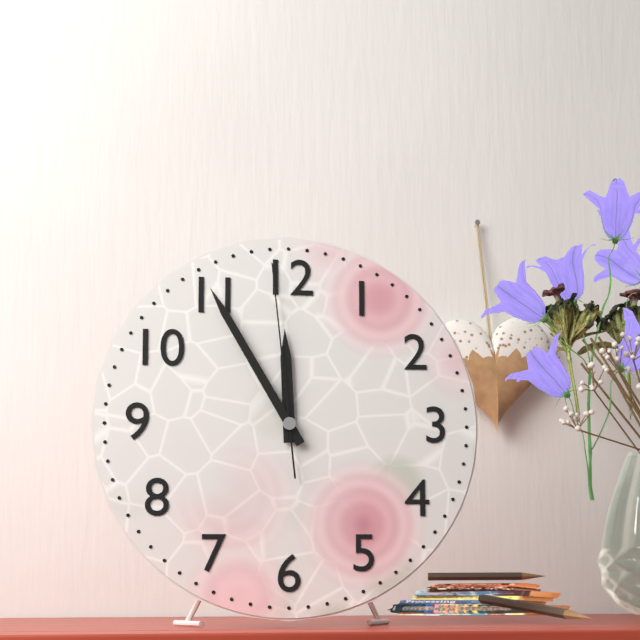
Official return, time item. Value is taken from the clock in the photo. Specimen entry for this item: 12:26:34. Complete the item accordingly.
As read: 11:55:59
